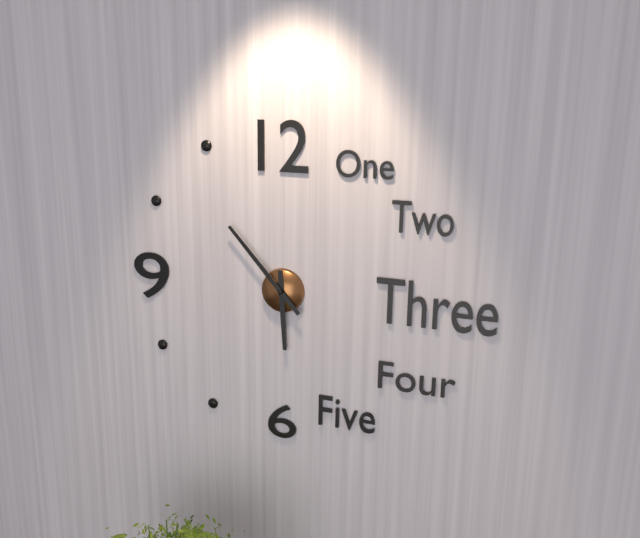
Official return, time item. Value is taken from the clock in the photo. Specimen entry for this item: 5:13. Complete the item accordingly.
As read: 5:53
